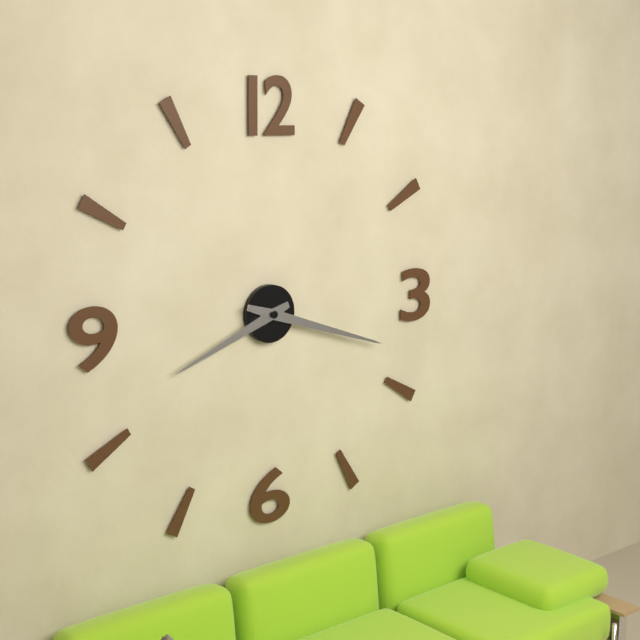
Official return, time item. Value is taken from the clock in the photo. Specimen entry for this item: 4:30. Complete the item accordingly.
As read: 8:18
